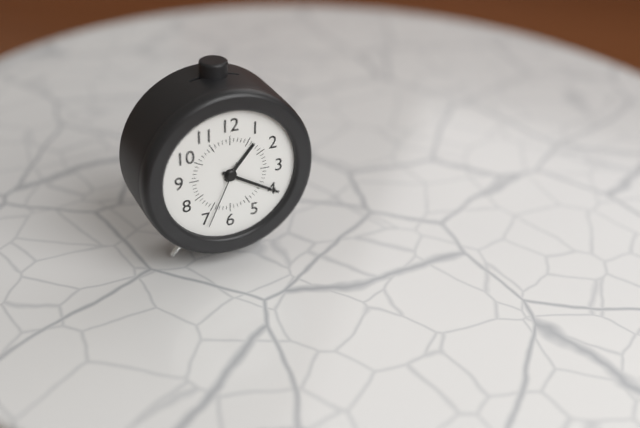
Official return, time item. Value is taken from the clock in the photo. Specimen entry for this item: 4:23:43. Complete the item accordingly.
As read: 1:20:34
